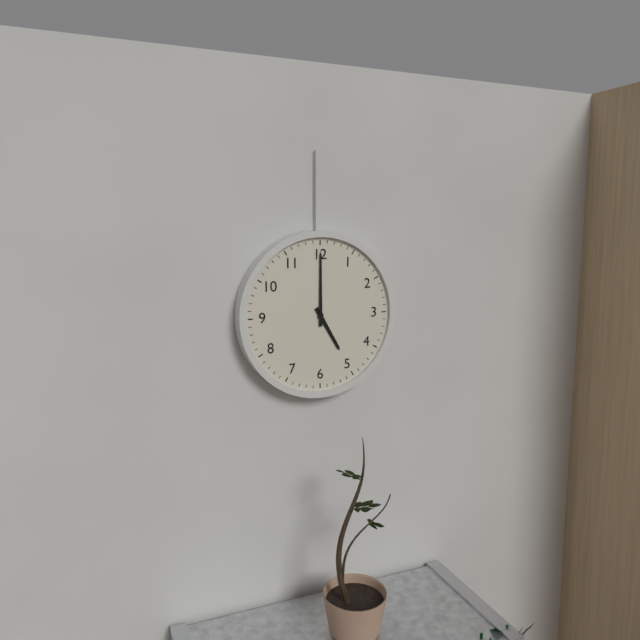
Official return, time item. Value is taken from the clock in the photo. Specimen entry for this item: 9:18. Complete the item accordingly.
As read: 5:00
